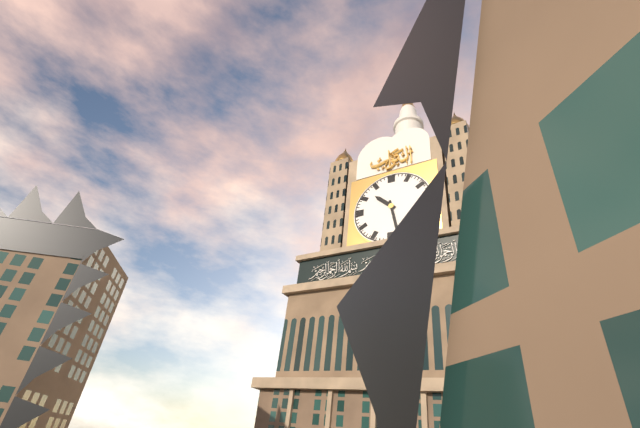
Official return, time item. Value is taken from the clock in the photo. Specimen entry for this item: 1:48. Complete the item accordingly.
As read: 10:28
